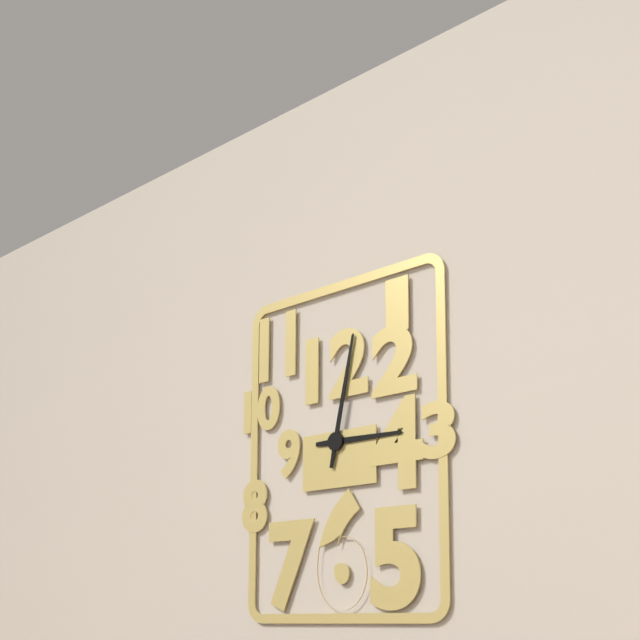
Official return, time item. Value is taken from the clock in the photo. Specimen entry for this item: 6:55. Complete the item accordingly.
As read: 3:02
